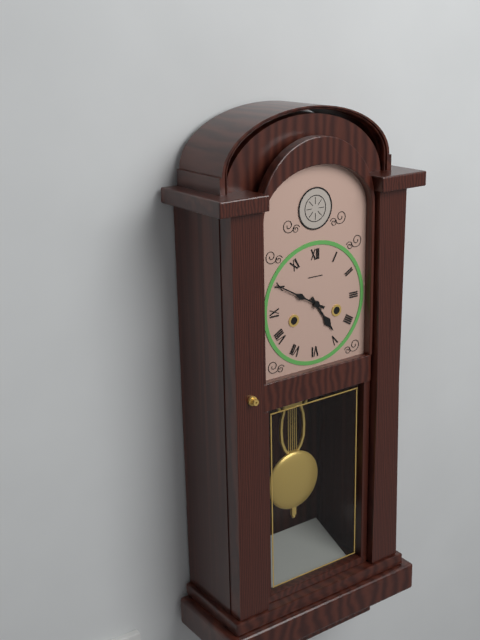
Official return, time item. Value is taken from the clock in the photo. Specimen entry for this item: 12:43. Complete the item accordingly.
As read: 4:50
